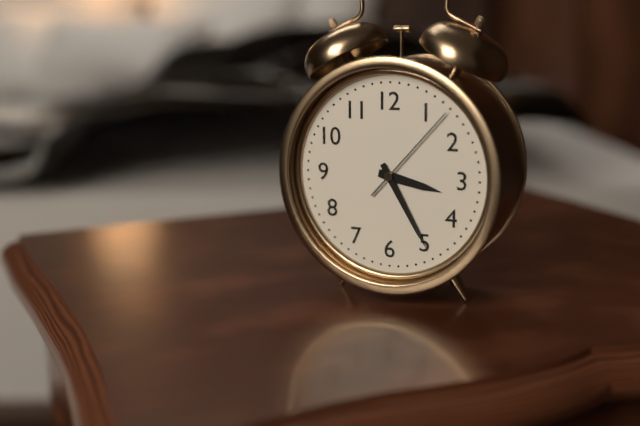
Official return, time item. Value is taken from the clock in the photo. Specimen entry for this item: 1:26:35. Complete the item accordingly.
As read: 3:25:07
